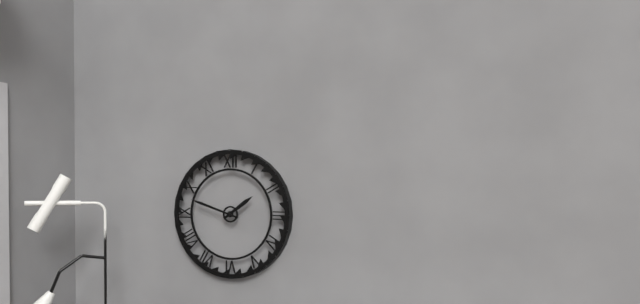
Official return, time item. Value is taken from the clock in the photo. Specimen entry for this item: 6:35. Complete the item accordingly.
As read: 1:48
